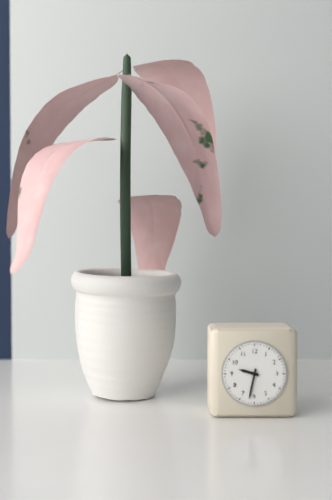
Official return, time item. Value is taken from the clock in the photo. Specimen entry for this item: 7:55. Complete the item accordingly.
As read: 9:32
